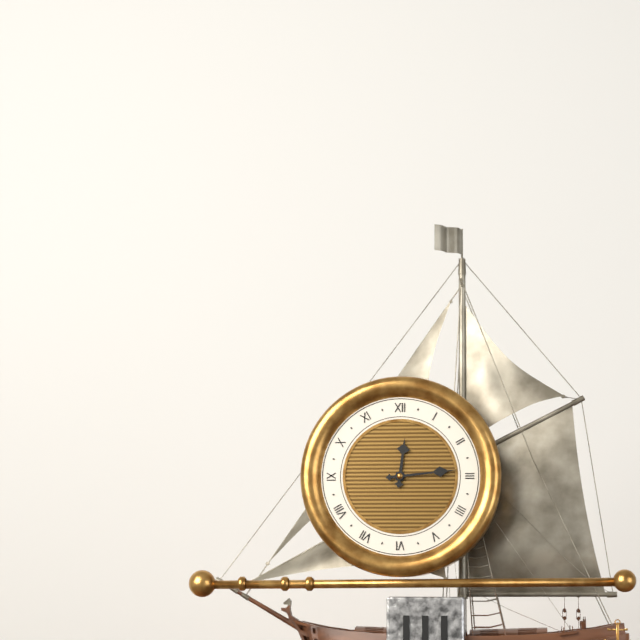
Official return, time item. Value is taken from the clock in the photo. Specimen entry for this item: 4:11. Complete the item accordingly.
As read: 12:14
